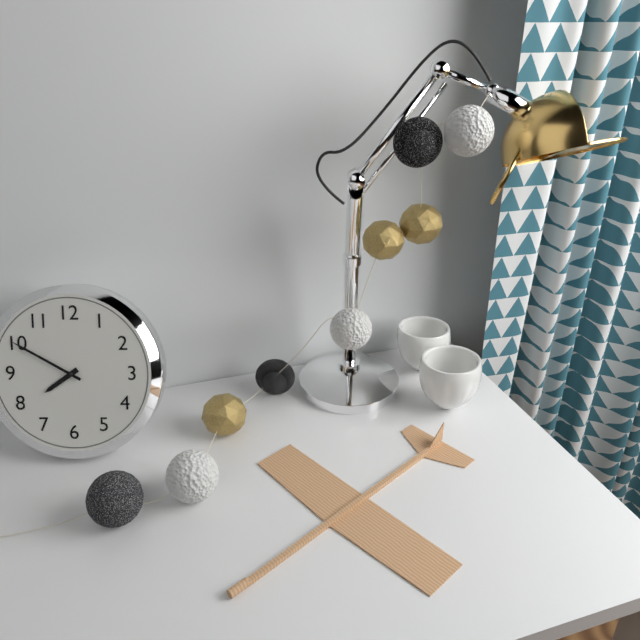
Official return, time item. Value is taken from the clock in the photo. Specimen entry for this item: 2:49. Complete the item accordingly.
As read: 7:50
